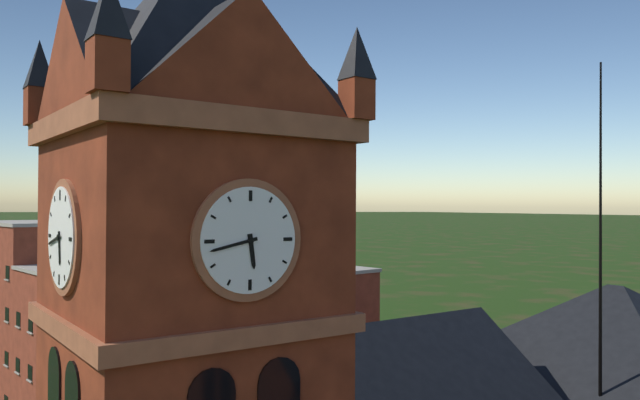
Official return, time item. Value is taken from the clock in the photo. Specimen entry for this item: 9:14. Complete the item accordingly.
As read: 5:43
